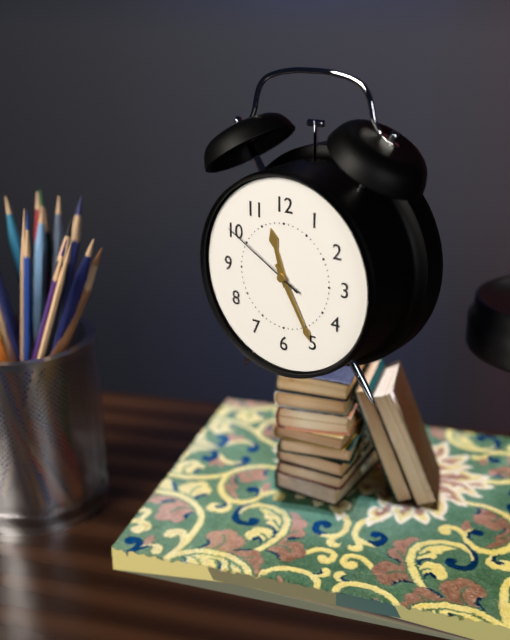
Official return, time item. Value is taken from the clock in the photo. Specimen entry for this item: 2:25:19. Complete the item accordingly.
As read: 11:25:50
